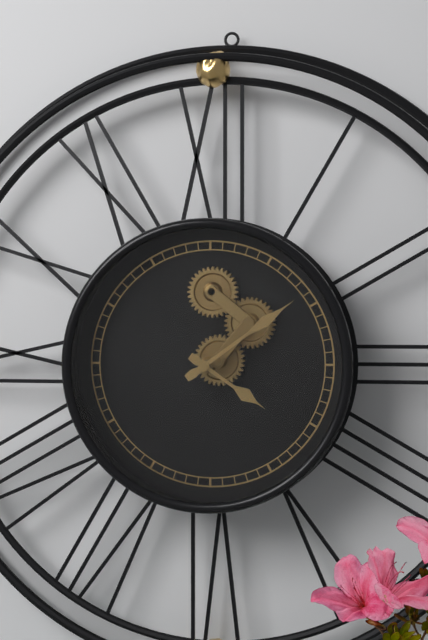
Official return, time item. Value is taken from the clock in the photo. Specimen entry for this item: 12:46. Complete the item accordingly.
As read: 4:09
